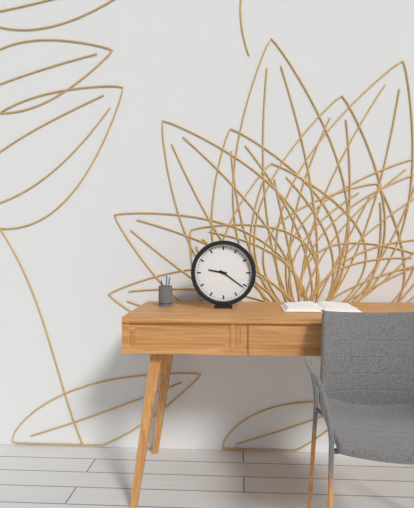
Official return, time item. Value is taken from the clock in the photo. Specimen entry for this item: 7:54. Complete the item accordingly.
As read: 9:21
